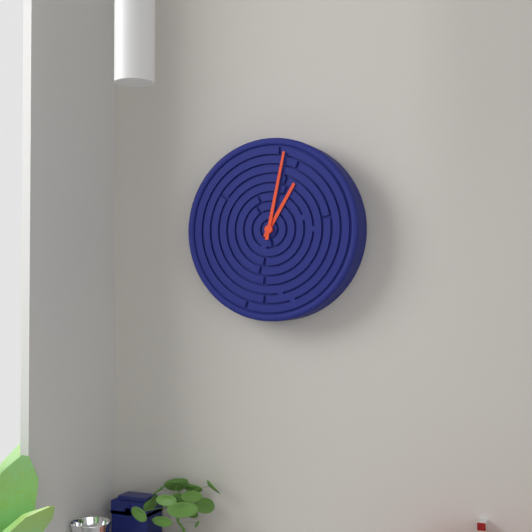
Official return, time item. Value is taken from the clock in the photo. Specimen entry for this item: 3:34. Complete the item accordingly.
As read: 1:02
